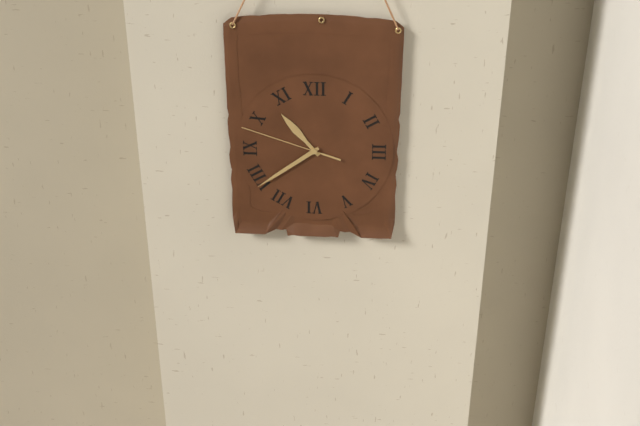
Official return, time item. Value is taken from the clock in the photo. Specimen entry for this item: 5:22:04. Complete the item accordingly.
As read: 10:39:48
